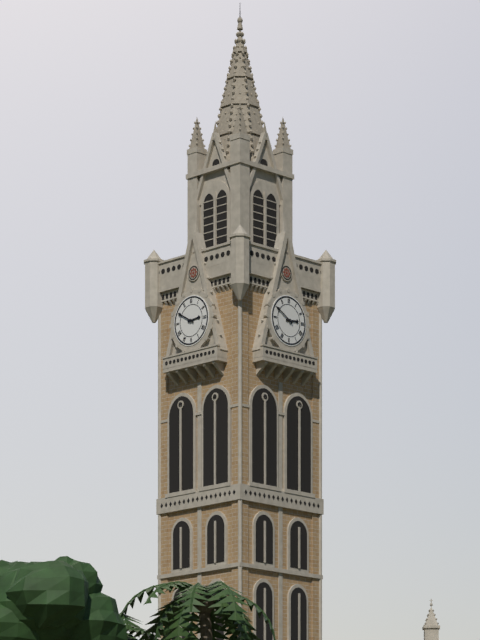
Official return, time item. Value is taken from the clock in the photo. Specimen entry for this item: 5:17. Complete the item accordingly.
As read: 2:50
